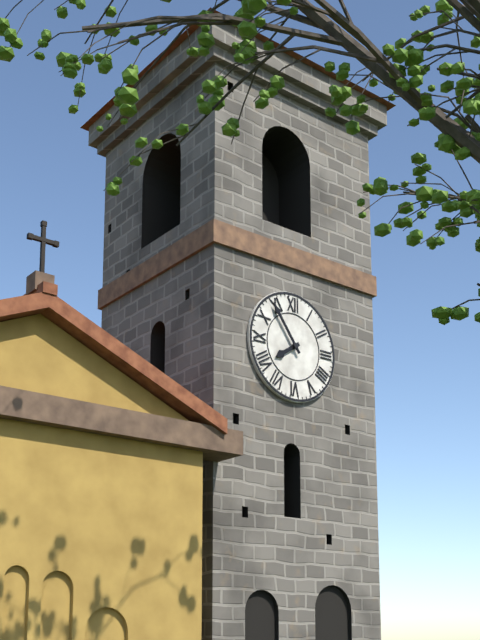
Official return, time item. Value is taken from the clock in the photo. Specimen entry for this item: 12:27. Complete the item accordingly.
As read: 7:54
